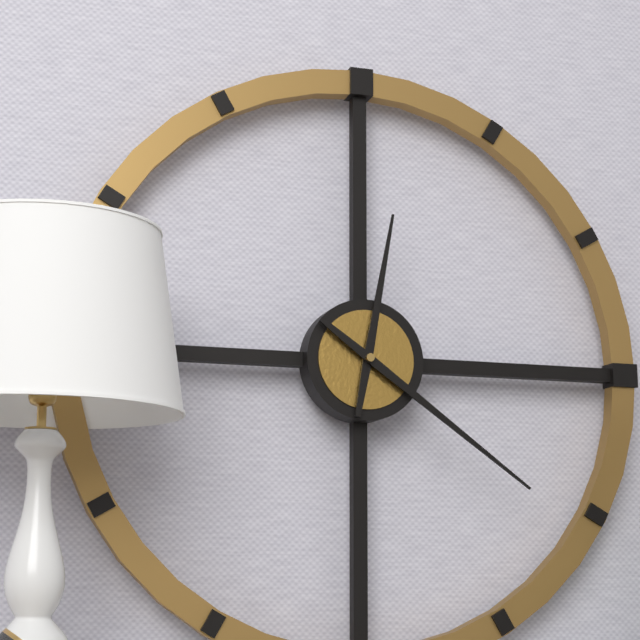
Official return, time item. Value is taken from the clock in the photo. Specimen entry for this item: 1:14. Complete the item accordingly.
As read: 12:21
